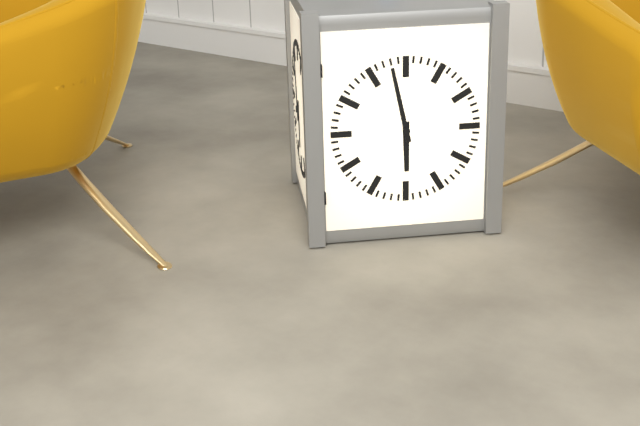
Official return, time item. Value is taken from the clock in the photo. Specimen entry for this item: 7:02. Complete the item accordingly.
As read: 5:58
